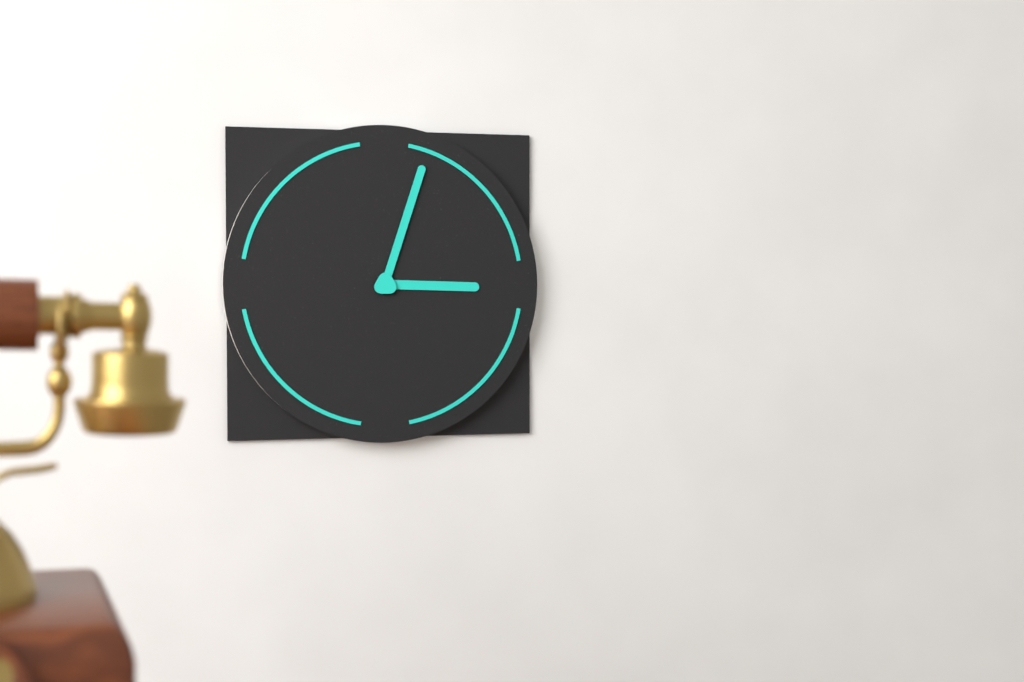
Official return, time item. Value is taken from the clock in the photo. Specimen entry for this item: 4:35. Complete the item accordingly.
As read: 3:03
